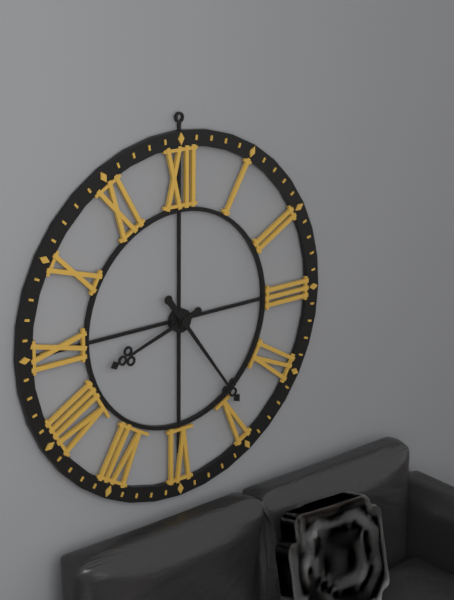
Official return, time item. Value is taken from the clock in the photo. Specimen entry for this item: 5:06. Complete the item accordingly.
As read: 8:24
